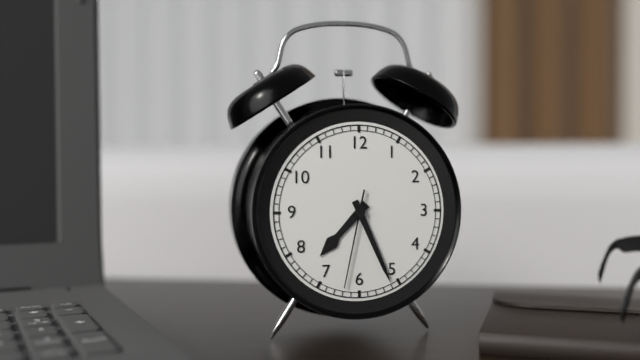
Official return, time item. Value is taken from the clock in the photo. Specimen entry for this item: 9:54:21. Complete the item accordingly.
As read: 7:26:32
